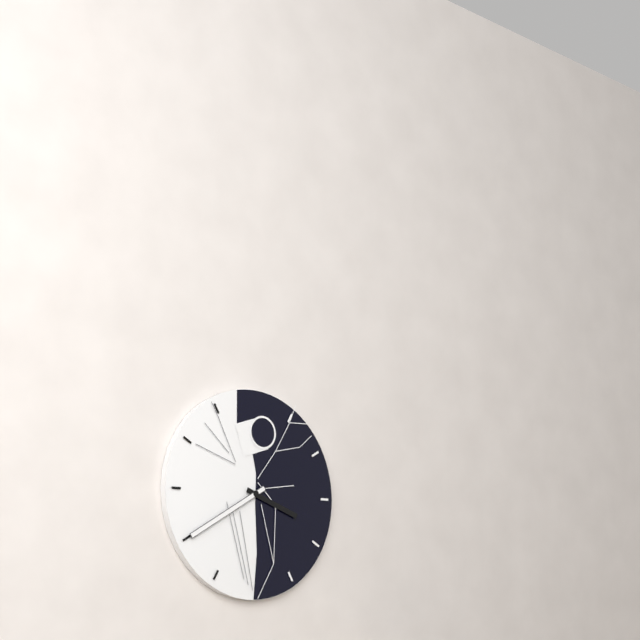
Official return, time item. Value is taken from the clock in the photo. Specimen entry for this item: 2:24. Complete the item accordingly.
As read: 3:40
